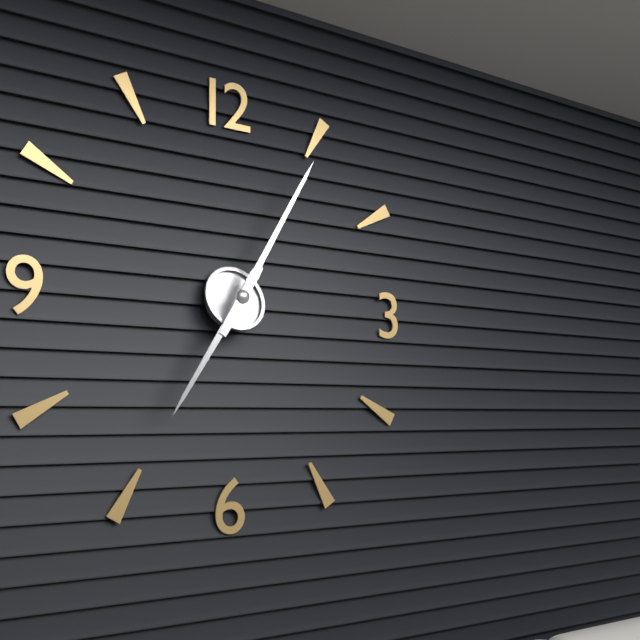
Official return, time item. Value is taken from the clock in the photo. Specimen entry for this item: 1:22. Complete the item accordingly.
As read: 7:05
